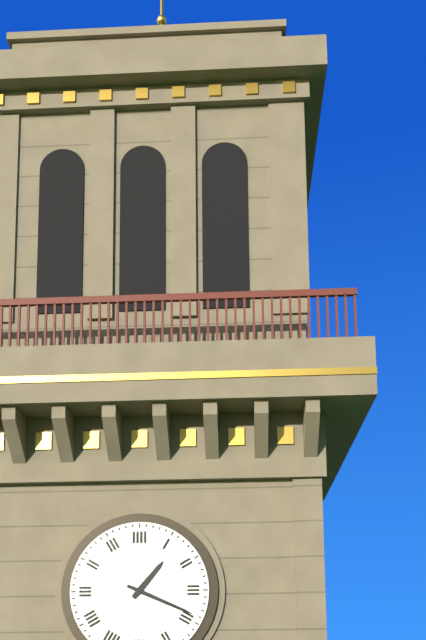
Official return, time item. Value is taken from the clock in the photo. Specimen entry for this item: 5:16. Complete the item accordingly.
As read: 1:19
